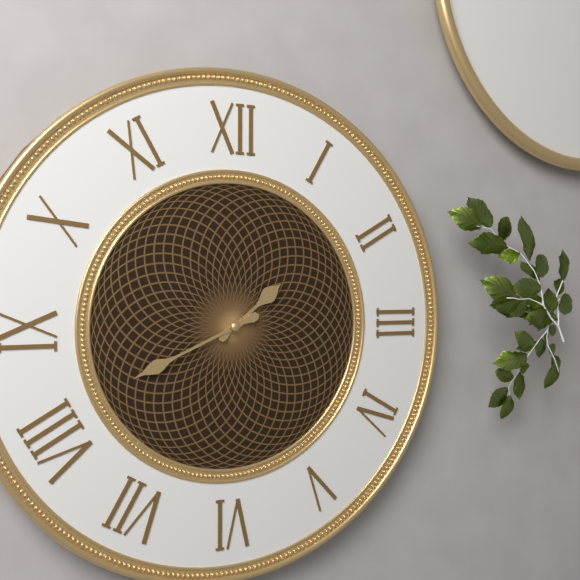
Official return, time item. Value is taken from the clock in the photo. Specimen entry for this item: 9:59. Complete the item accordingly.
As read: 1:41
